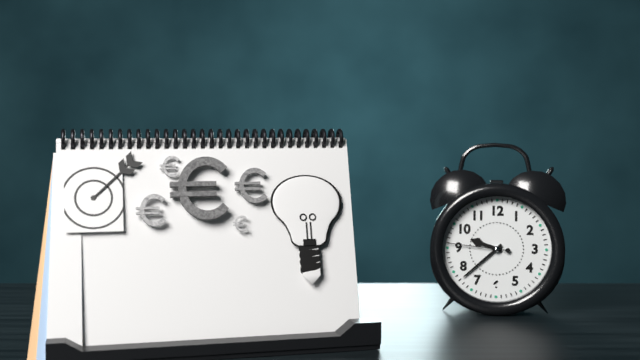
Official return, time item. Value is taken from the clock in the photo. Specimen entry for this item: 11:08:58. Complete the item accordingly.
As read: 9:38:46
